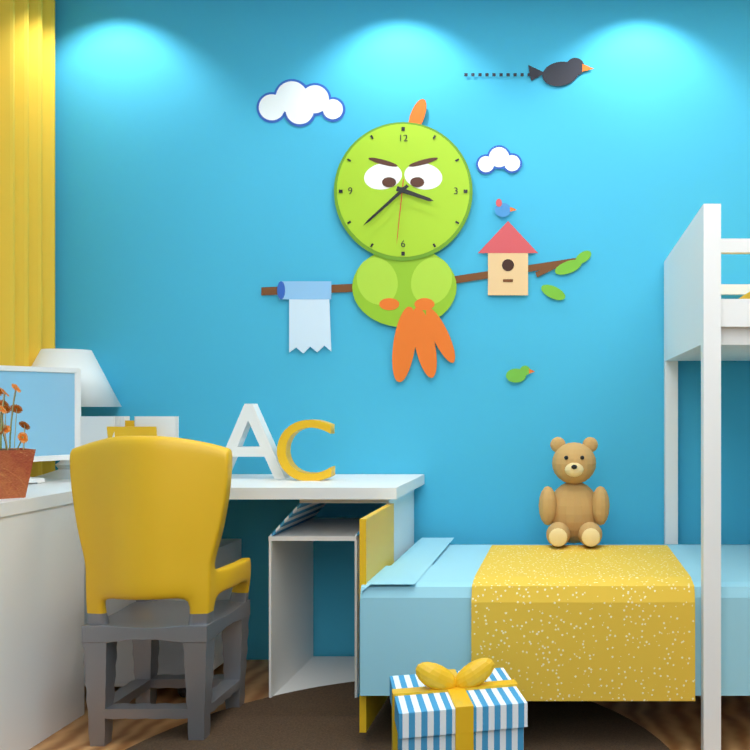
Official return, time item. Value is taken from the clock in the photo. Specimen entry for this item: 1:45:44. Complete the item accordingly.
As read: 3:38:31
